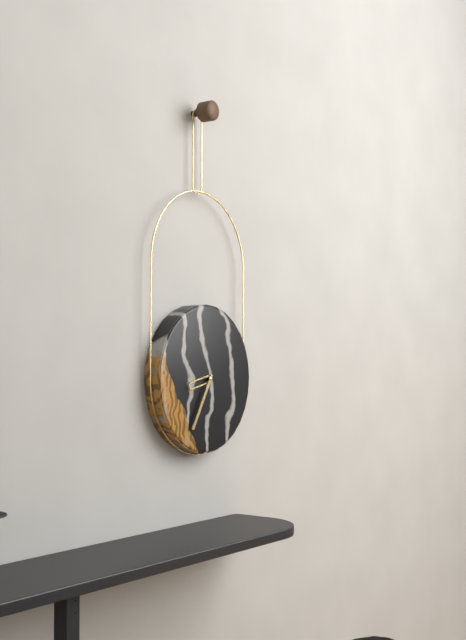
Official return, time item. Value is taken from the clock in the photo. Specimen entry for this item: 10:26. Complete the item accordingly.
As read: 8:35
